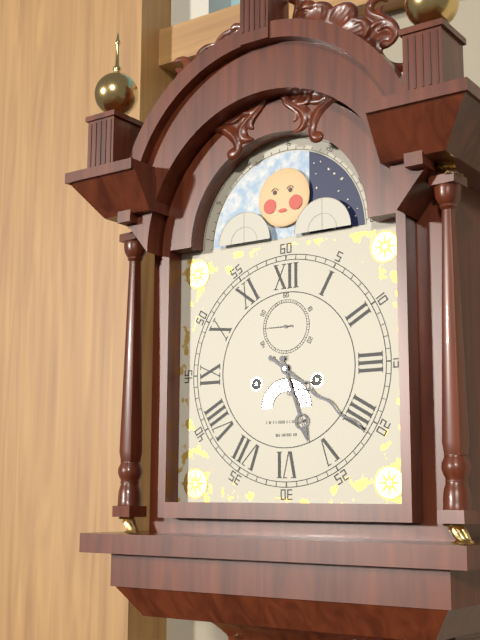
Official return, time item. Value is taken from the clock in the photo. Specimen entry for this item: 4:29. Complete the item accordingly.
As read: 5:21
